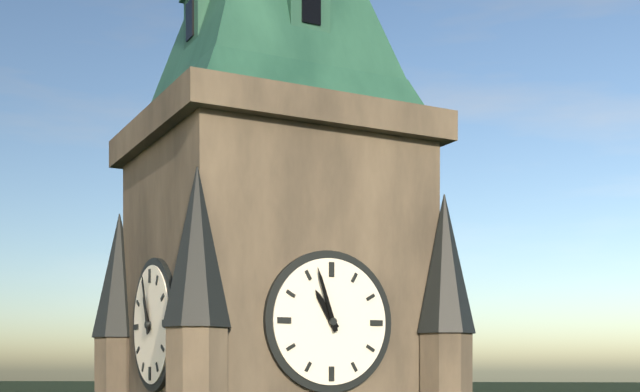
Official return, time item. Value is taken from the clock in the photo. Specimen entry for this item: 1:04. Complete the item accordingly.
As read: 10:57
